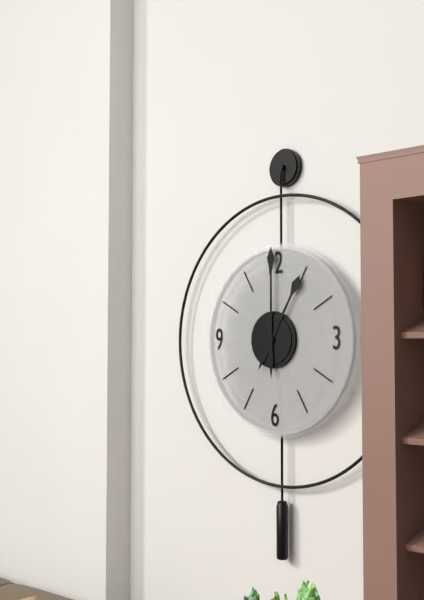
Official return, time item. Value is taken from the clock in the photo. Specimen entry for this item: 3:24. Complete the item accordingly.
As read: 1:00
